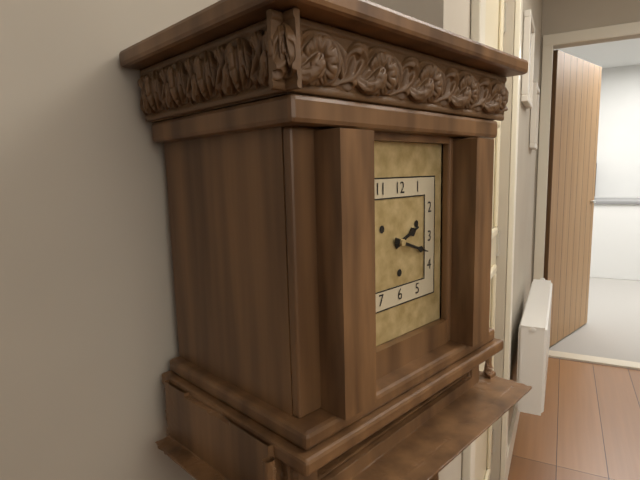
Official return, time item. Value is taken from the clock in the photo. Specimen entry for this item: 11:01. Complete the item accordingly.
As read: 2:18
